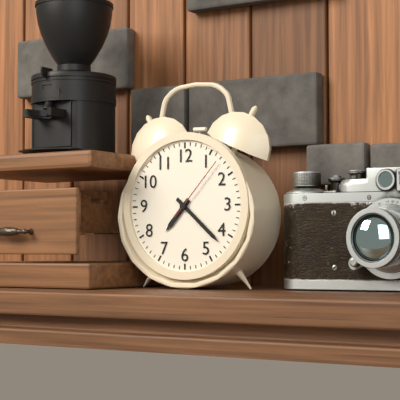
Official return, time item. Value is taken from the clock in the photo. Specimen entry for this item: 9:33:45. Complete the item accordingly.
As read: 7:22:07
